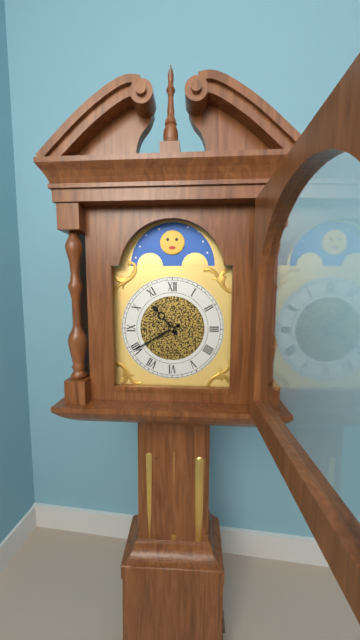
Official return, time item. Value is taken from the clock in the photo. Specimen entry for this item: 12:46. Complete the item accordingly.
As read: 10:40
